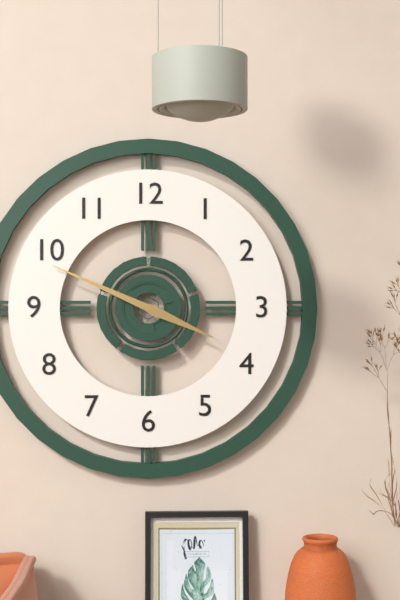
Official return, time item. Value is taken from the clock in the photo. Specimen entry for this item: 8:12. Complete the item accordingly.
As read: 3:49
